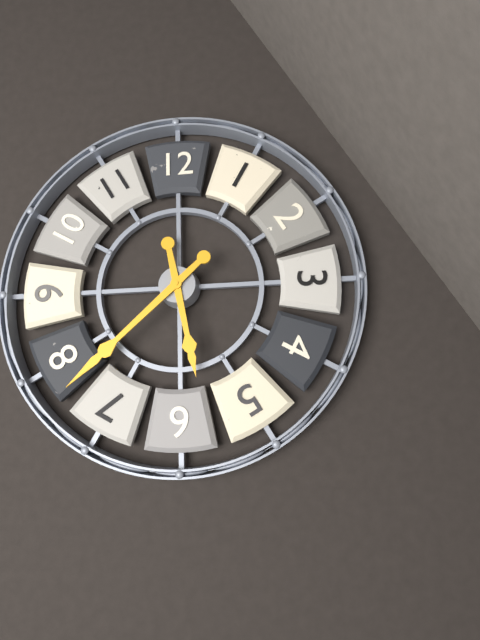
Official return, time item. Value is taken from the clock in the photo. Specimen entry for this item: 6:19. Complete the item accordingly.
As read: 5:38
